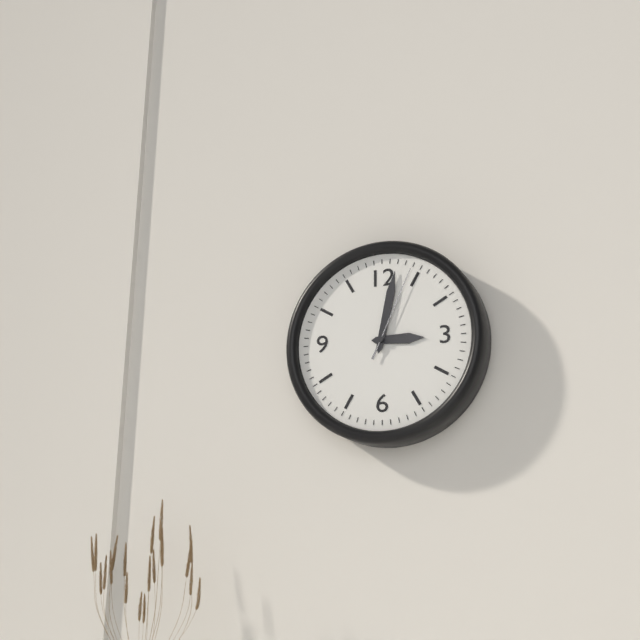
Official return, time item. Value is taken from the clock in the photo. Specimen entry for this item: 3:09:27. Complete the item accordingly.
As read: 3:02:04
